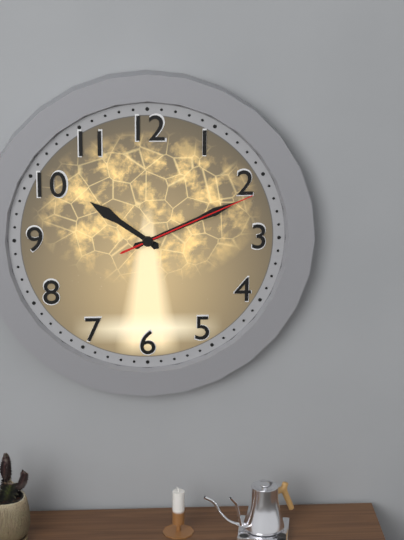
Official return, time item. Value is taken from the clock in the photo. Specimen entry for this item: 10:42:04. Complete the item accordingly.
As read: 10:11:11
